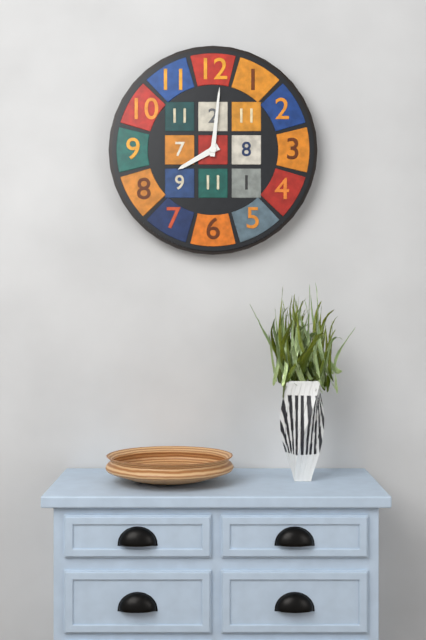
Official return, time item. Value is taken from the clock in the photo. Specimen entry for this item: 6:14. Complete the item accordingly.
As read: 8:01
